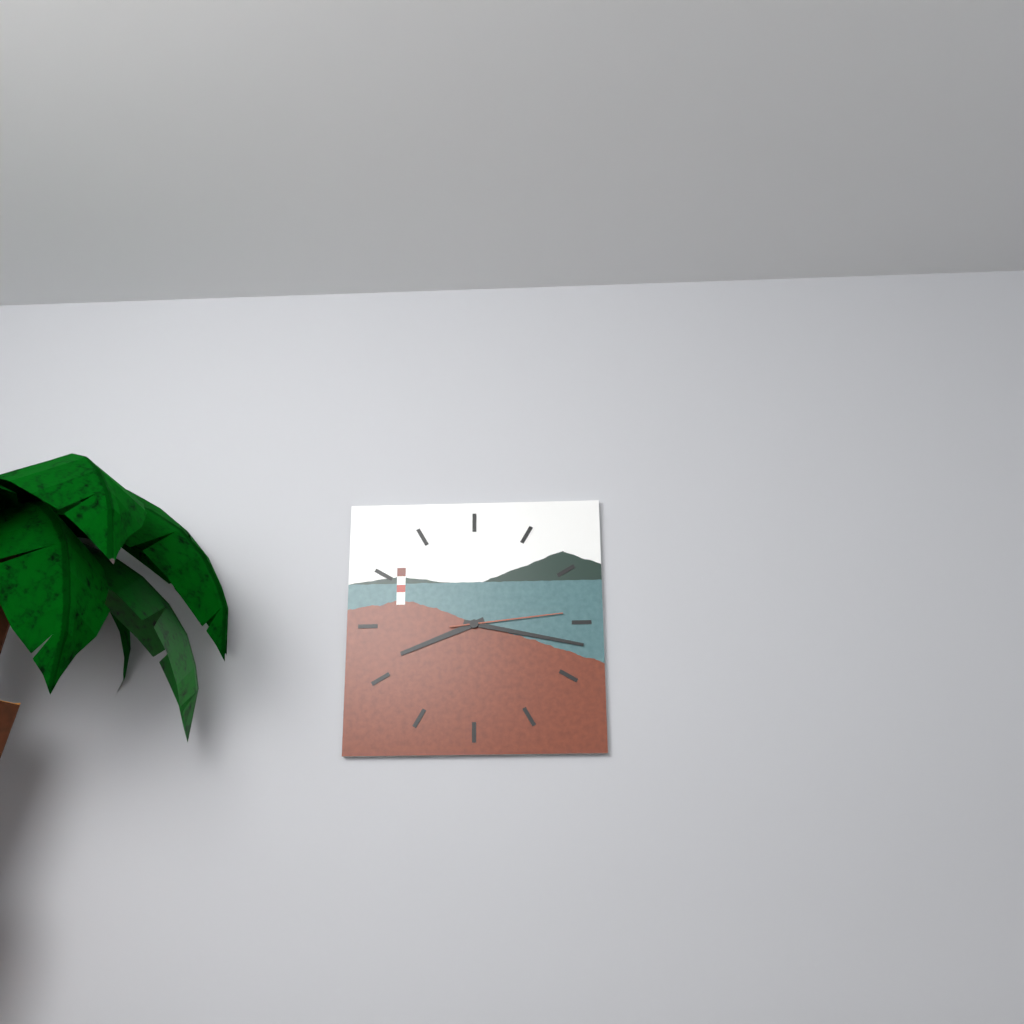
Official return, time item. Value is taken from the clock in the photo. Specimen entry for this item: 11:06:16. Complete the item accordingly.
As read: 8:17:14
